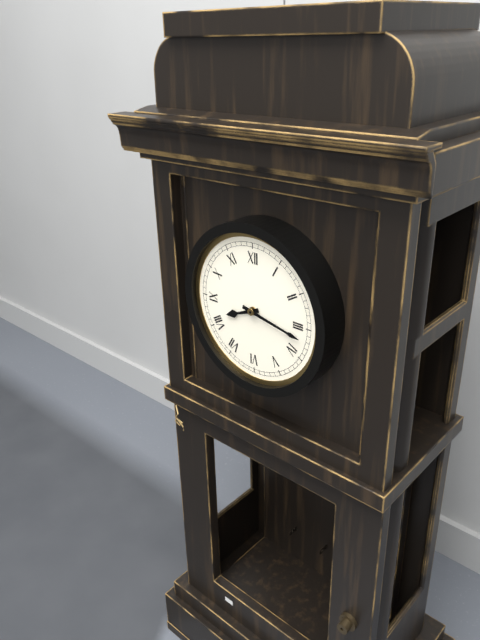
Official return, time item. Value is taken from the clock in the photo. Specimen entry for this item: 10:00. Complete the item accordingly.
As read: 8:17
